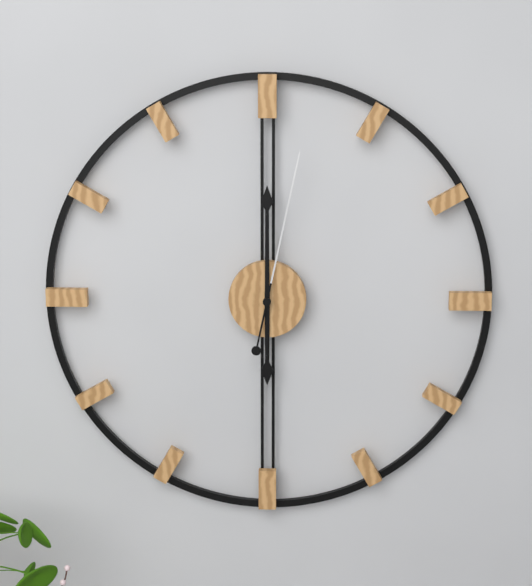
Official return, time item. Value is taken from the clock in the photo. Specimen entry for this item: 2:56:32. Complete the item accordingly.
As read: 6:00:02
